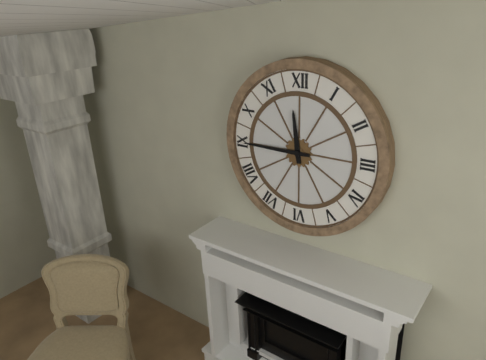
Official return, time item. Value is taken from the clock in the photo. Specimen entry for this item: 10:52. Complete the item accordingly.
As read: 11:45
